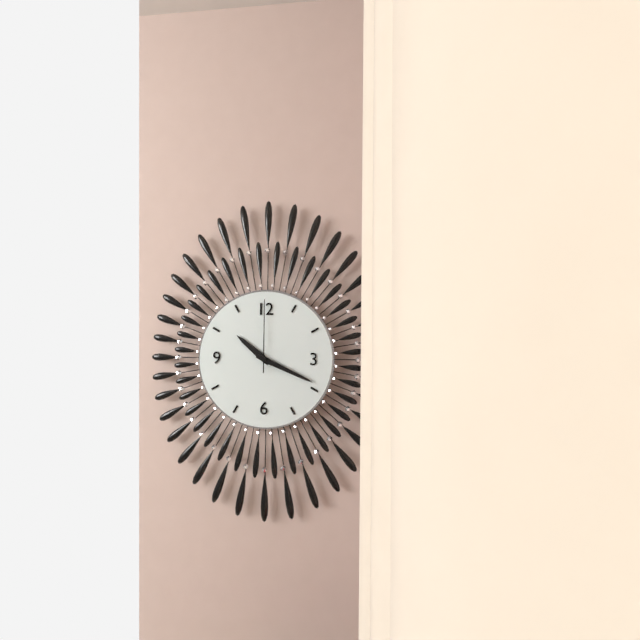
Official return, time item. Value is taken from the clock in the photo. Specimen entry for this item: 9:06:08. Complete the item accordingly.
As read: 10:19:00
